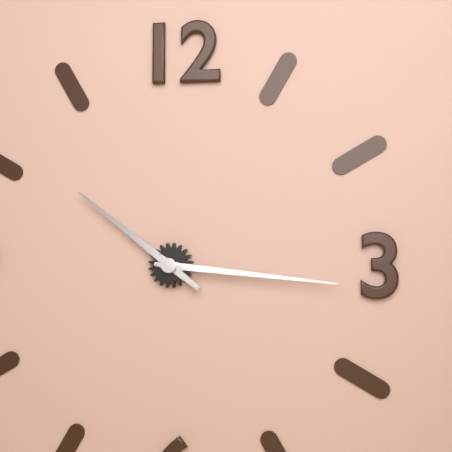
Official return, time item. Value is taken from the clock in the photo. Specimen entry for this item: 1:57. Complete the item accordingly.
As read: 10:16
